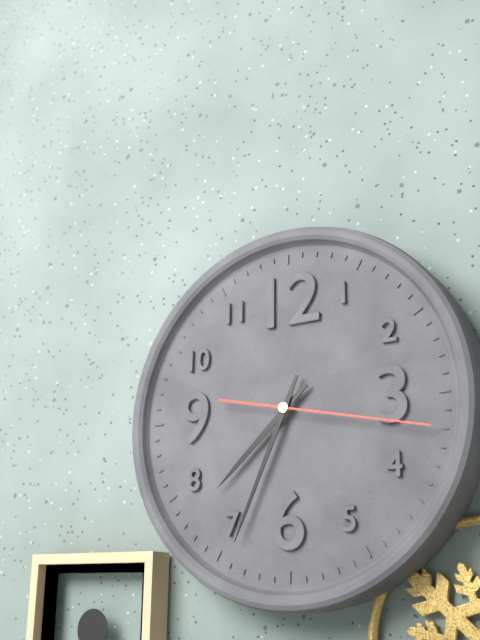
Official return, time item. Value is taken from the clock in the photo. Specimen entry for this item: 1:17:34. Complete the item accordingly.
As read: 7:34:17
